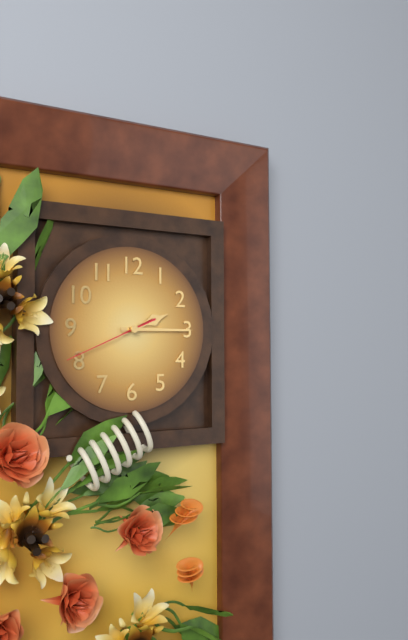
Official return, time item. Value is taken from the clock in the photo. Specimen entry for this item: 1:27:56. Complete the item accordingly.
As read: 2:15:41
